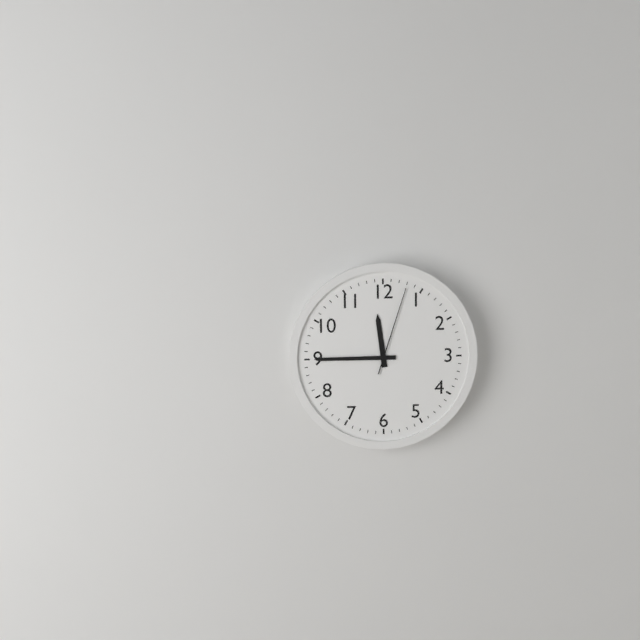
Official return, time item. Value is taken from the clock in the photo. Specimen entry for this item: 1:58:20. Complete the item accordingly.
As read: 11:45:03
